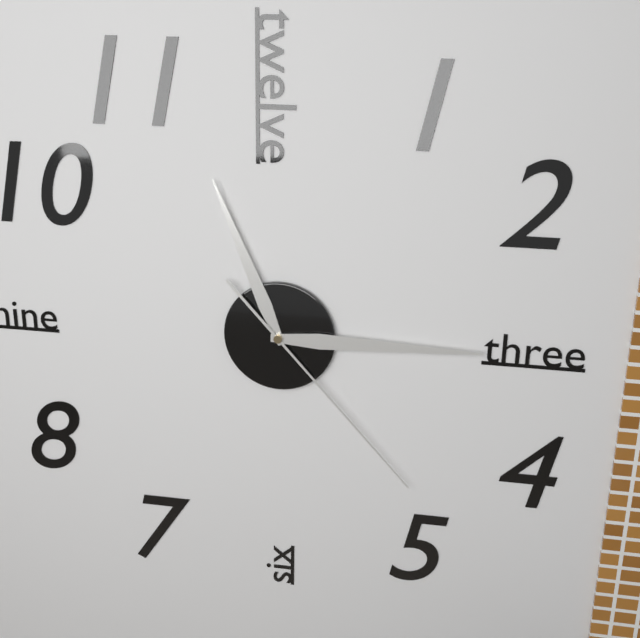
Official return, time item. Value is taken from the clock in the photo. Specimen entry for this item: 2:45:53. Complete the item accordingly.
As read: 11:15:23
